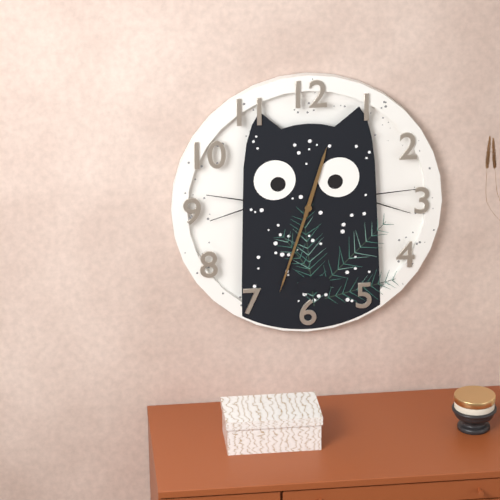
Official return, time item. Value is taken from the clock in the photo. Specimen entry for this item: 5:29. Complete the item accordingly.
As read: 12:33
